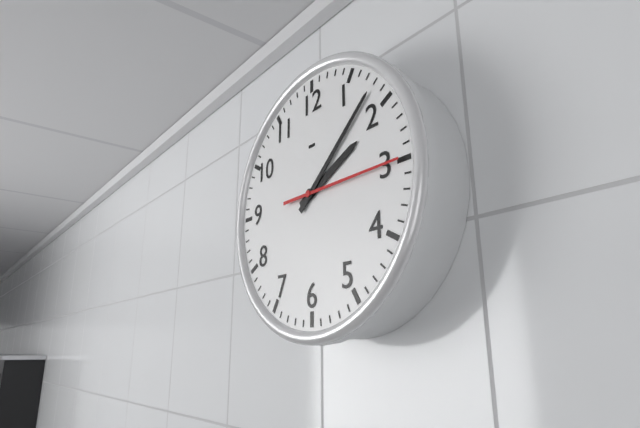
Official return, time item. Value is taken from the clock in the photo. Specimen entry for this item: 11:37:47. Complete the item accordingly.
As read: 2:08:15
